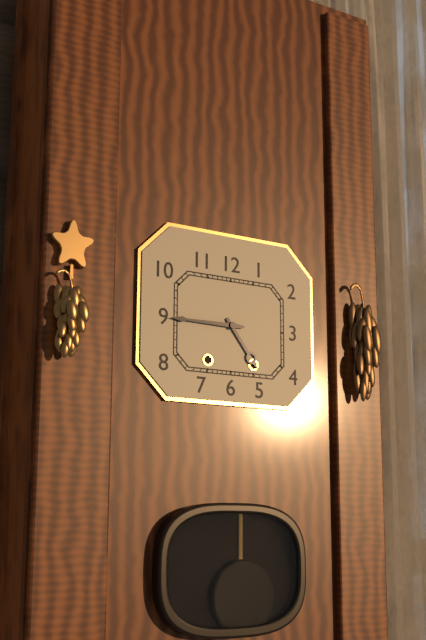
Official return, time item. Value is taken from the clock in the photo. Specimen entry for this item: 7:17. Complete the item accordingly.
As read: 4:45
